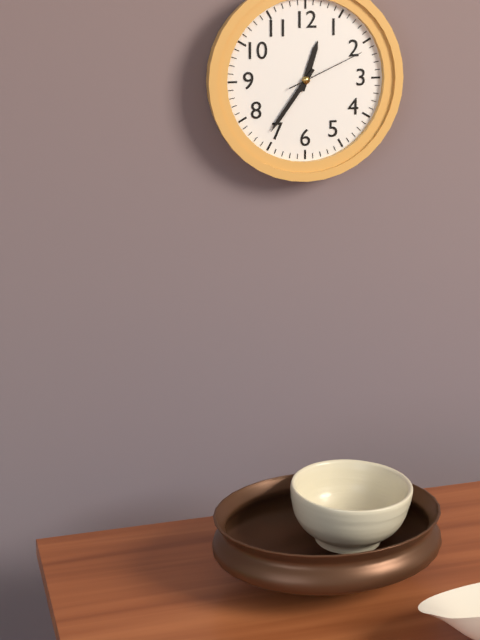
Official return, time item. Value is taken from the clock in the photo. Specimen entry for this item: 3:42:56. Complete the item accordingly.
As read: 12:36:11
